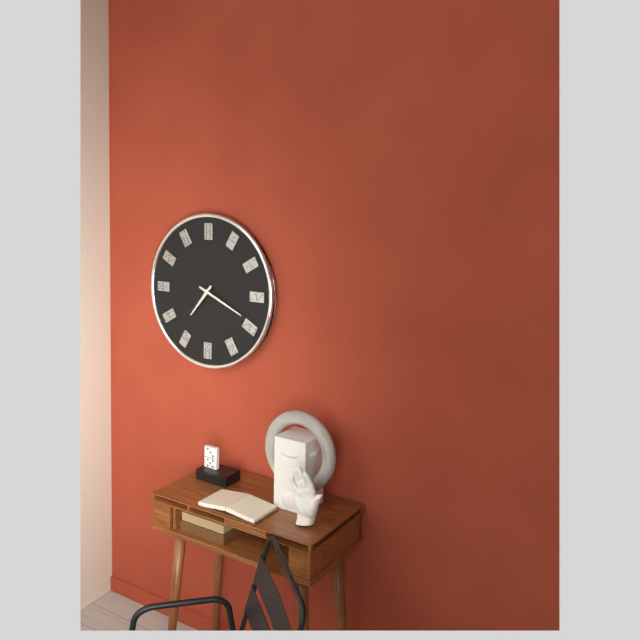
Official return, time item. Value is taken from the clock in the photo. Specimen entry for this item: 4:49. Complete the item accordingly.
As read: 7:19
